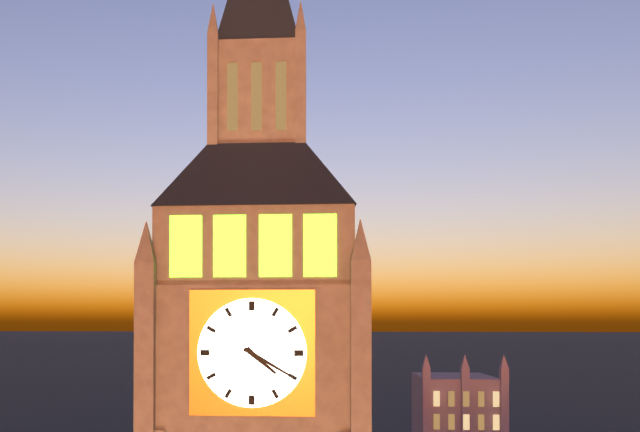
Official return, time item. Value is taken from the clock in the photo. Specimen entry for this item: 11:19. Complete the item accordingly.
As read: 4:20
